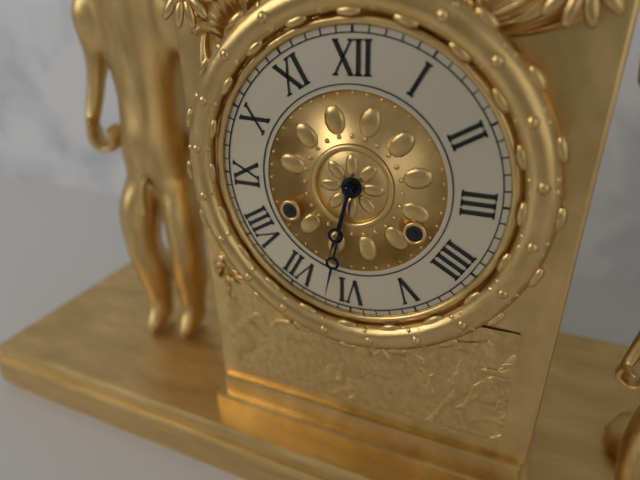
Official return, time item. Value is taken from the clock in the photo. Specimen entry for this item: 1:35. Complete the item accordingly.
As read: 6:32
